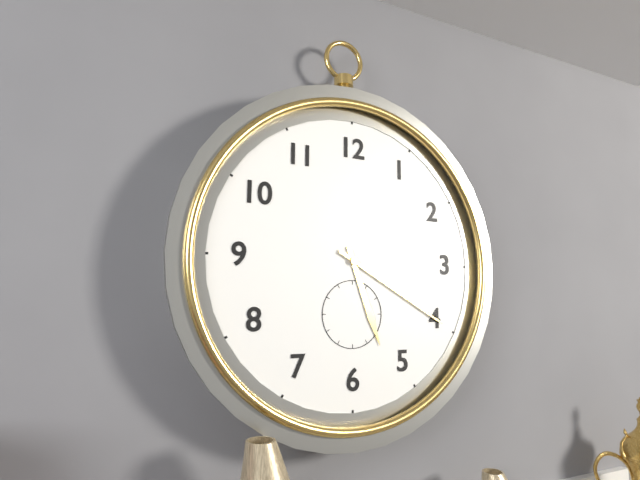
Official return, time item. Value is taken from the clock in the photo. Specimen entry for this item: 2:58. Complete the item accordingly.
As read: 5:20
